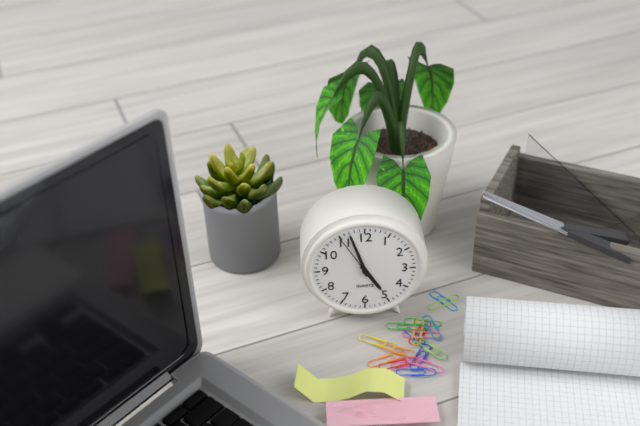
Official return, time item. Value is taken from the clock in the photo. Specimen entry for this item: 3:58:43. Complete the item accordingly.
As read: 4:57:55
